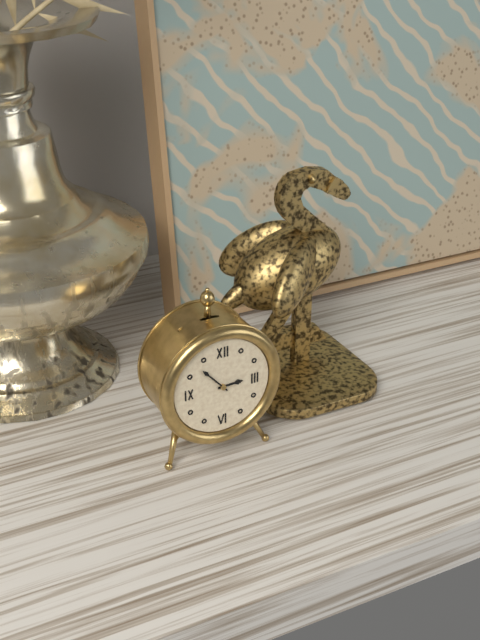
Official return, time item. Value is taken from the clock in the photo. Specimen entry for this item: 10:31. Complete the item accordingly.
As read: 2:53
